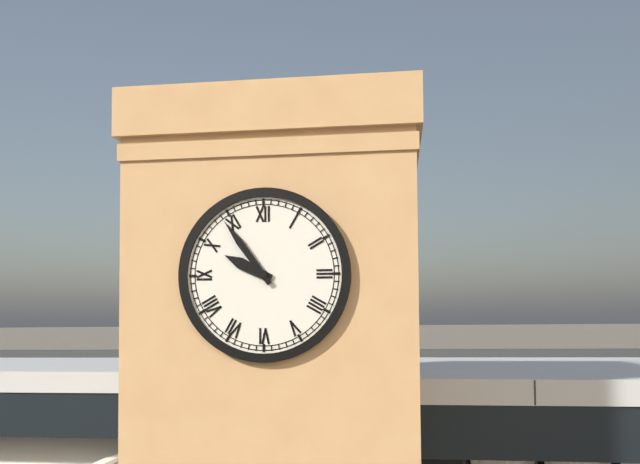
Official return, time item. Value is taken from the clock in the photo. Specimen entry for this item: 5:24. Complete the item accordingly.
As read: 9:54
